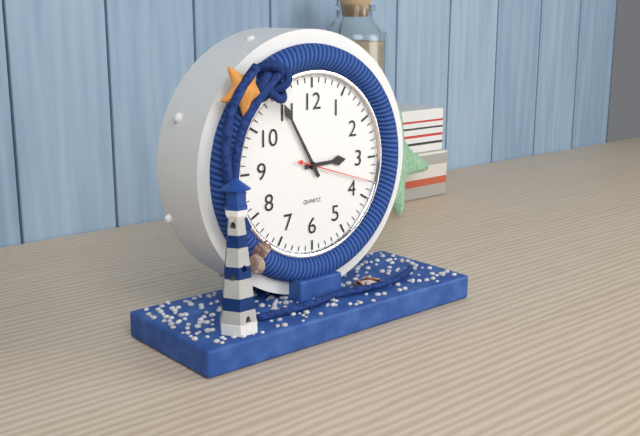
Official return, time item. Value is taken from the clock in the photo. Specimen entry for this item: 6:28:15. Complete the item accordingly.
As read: 2:55:18
